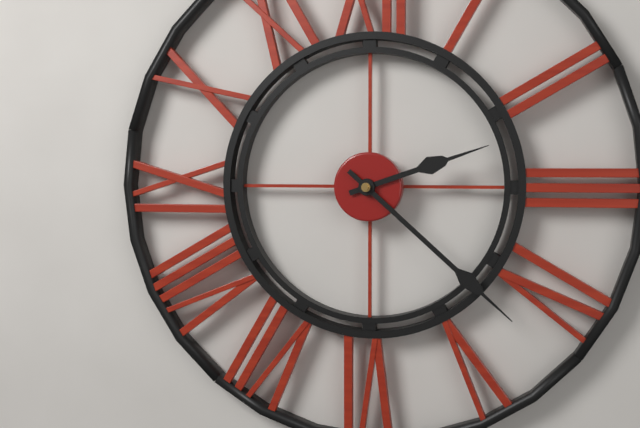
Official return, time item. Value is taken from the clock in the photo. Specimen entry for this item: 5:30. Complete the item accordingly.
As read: 2:22
